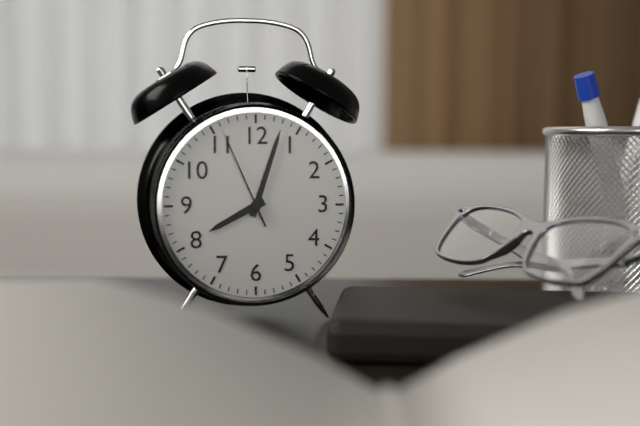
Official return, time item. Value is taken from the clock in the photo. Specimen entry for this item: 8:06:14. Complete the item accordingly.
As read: 8:03:56
